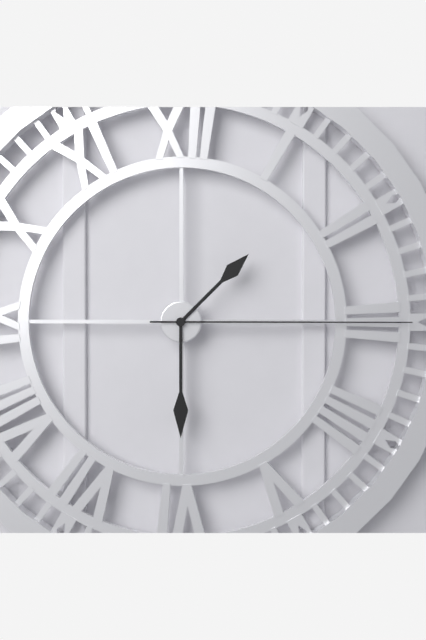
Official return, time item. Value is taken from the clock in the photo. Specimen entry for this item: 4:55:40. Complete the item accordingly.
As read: 1:30:15
